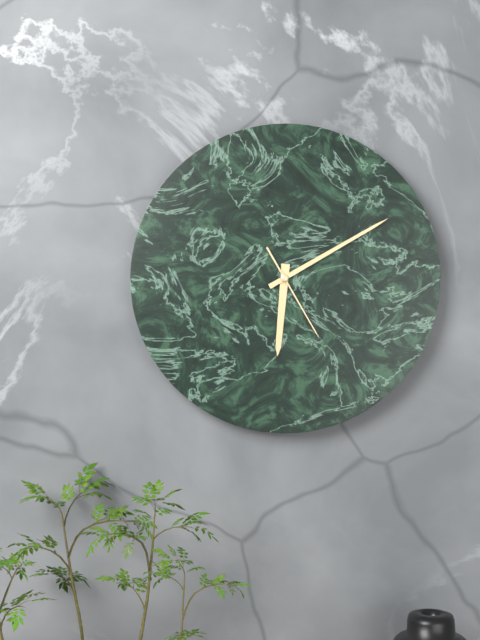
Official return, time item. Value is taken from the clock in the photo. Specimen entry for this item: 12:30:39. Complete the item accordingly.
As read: 6:10:25
